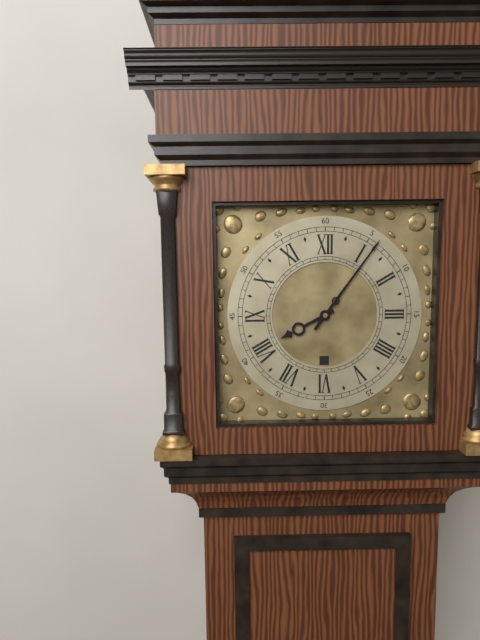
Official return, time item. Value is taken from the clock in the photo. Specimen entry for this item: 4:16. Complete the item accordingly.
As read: 8:06
